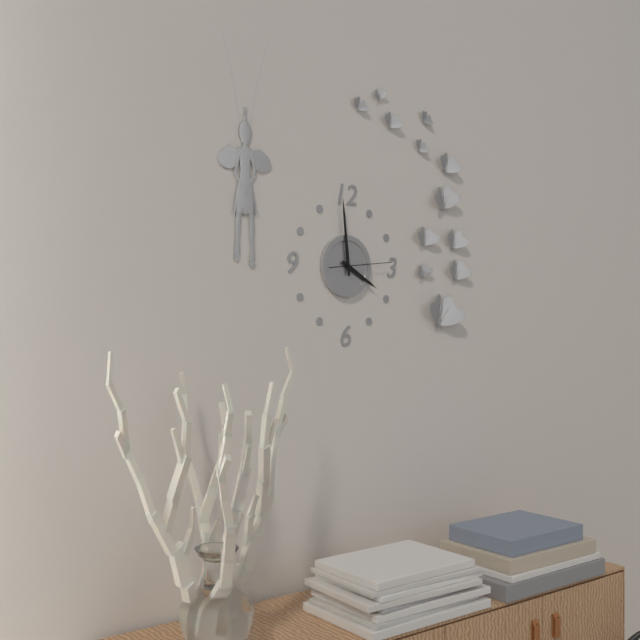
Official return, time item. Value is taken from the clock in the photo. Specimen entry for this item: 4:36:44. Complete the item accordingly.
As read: 3:59:14
